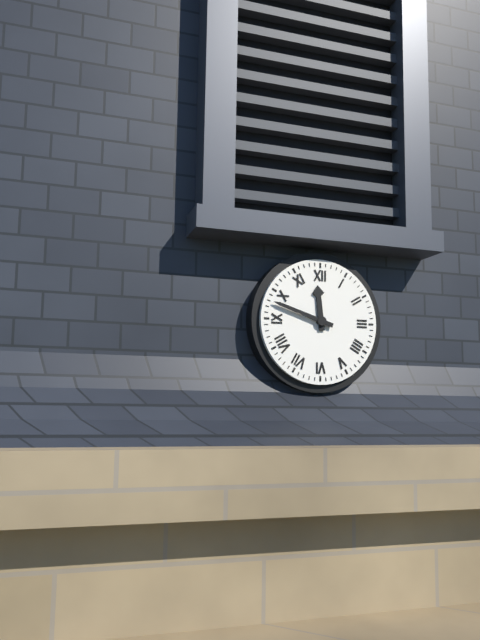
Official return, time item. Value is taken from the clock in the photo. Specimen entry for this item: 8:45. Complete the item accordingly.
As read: 11:48
